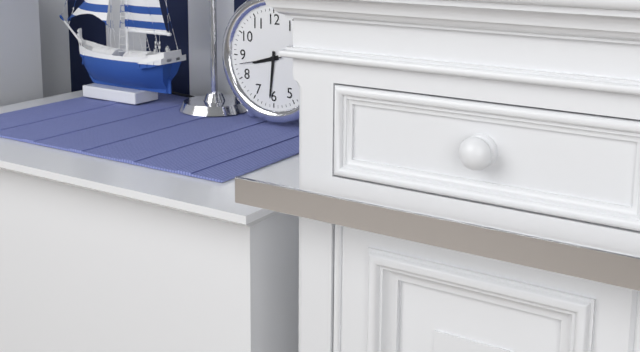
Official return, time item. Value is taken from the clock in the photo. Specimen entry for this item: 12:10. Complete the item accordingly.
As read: 8:31
